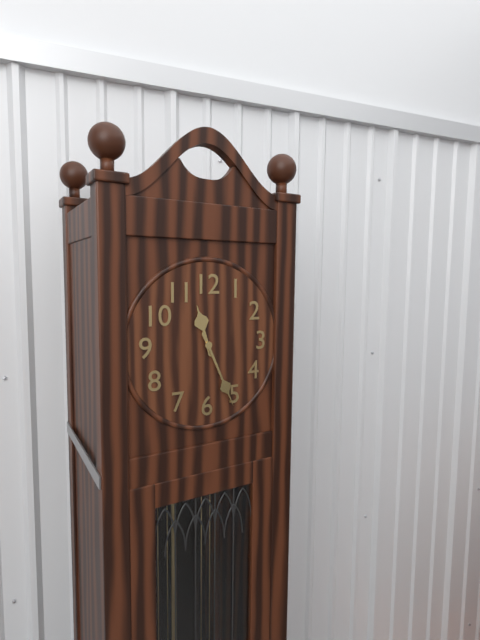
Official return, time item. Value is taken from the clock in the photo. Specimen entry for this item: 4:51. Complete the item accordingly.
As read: 11:26
